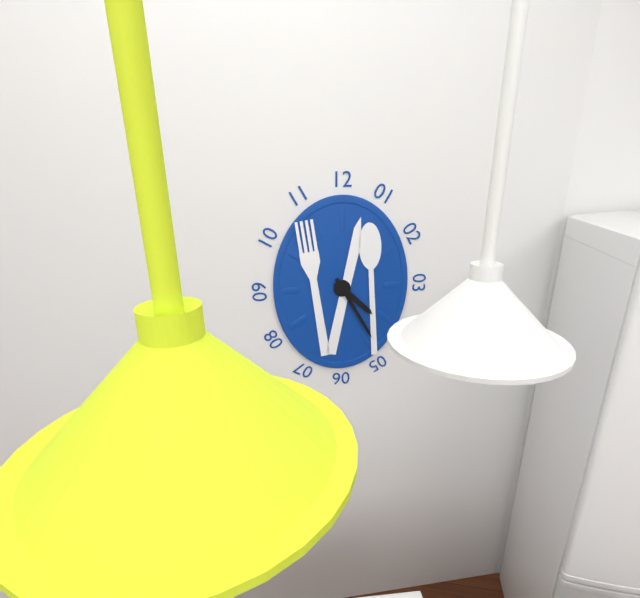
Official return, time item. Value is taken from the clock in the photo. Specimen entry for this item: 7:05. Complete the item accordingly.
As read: 4:25
